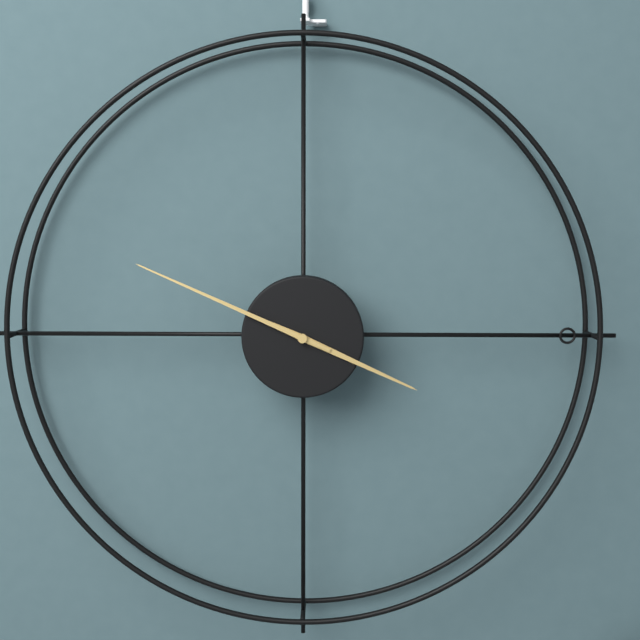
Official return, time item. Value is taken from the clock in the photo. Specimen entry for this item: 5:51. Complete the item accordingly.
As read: 3:49
